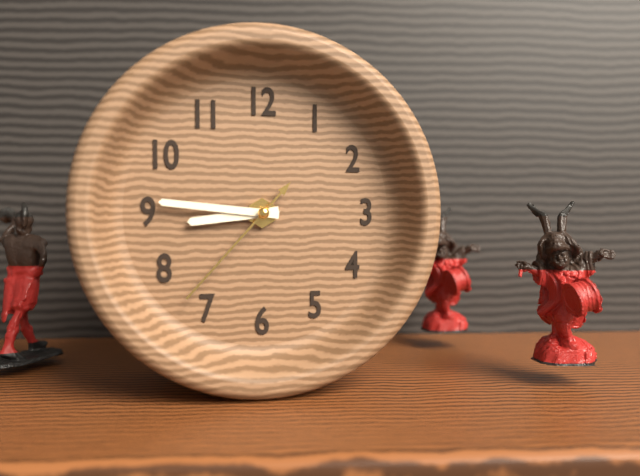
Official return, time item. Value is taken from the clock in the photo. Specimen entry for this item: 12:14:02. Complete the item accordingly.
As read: 8:46:37
